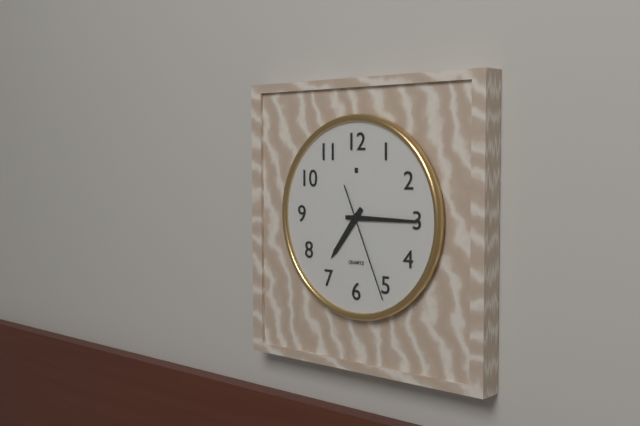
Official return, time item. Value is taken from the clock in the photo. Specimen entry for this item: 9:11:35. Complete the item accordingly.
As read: 7:15:26
